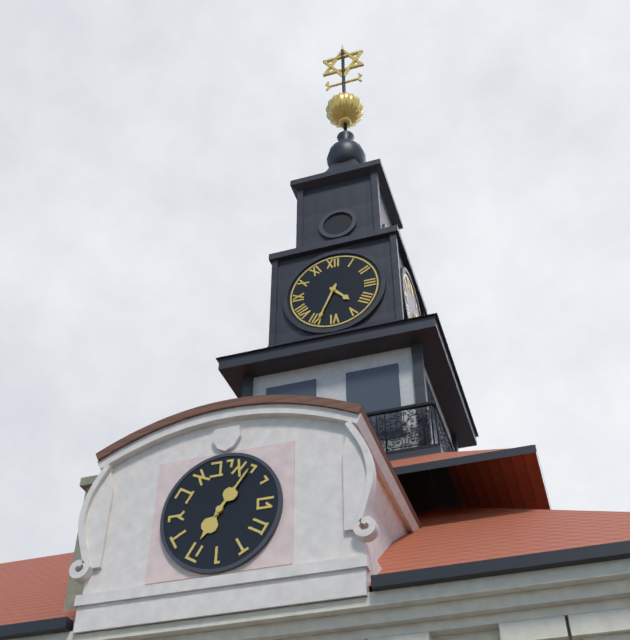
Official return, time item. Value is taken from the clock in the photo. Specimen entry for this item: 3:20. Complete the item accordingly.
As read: 4:34
